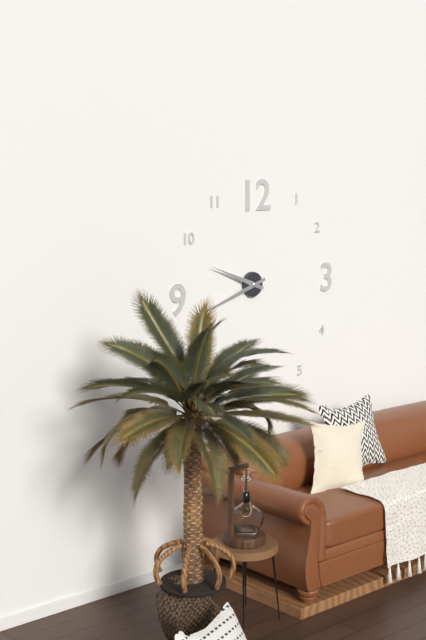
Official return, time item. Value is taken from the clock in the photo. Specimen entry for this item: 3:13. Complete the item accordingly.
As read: 9:42
